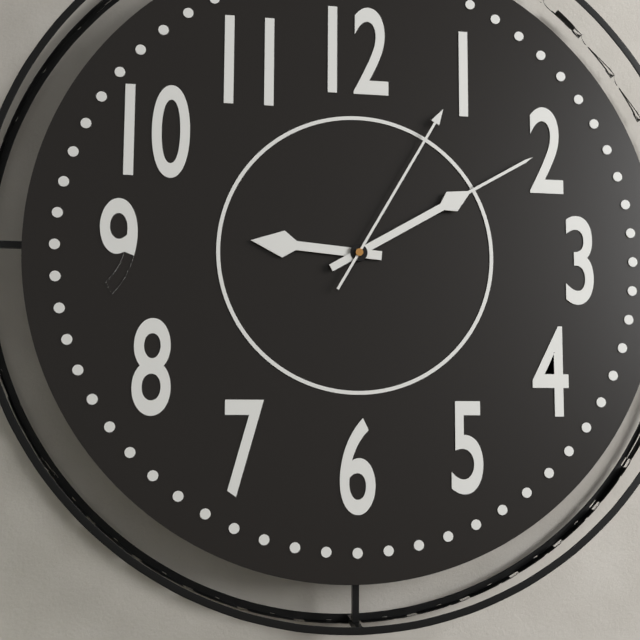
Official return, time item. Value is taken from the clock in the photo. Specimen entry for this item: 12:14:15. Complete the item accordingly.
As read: 9:10:05
